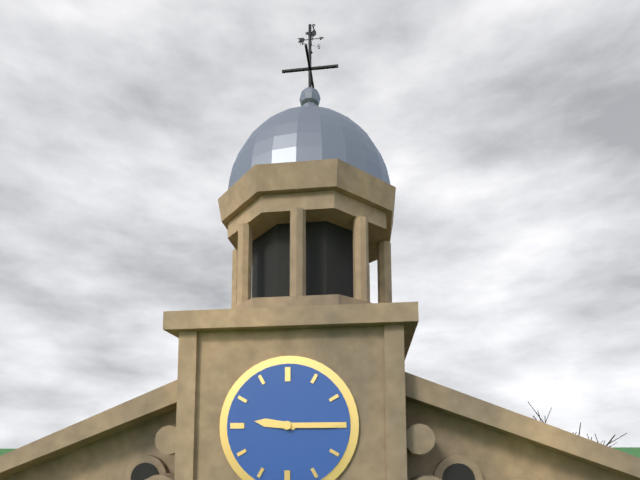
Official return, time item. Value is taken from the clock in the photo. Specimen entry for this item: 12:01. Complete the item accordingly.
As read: 9:15
